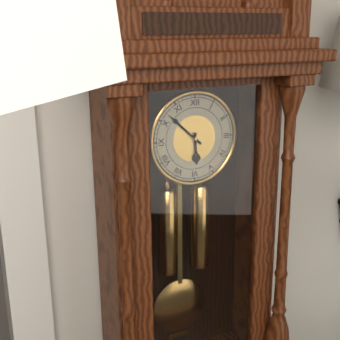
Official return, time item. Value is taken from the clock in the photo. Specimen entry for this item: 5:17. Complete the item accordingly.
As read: 5:52
